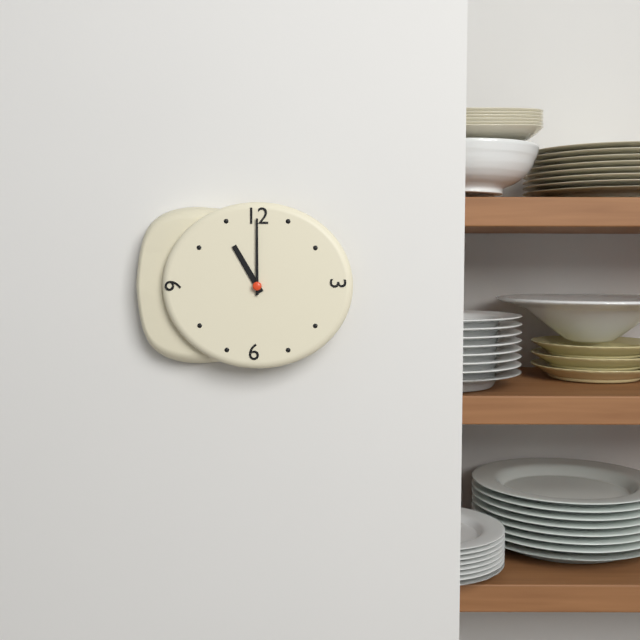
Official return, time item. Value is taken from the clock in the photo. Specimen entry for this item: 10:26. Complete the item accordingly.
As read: 11:00
